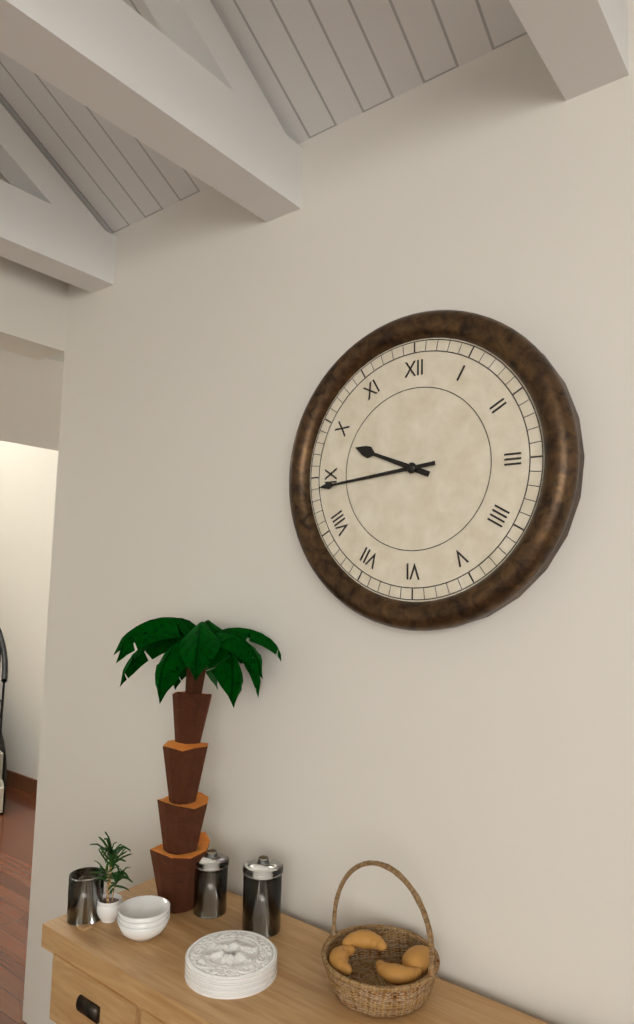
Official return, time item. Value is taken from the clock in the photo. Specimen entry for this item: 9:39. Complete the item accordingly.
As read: 9:44
